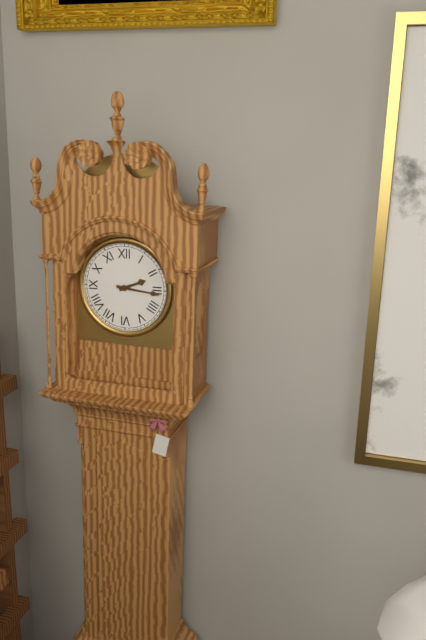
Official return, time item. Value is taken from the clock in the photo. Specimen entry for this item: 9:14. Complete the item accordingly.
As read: 2:16
